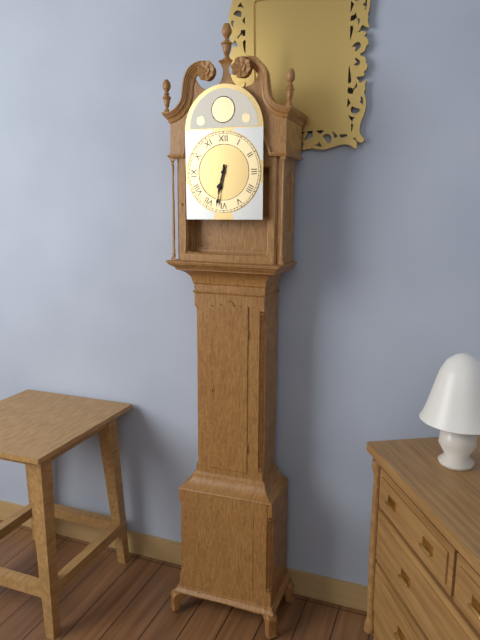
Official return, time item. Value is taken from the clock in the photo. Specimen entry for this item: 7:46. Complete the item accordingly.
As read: 6:32
